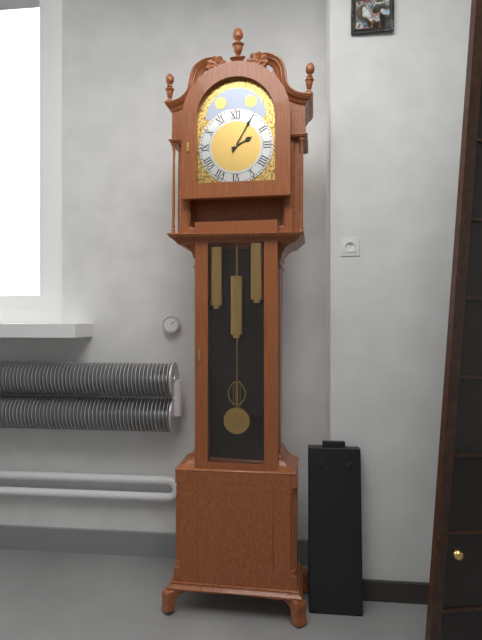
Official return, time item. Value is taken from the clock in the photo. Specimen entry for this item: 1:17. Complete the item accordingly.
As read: 2:05
